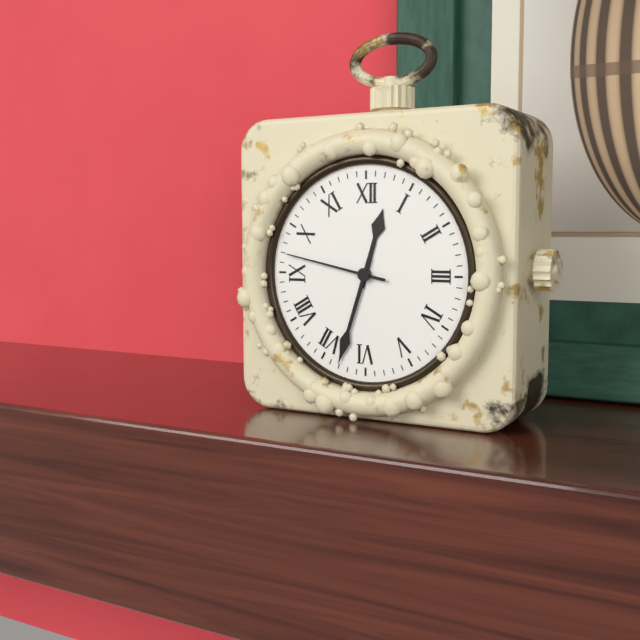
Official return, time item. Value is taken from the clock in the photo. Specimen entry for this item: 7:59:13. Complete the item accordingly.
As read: 12:33:47
